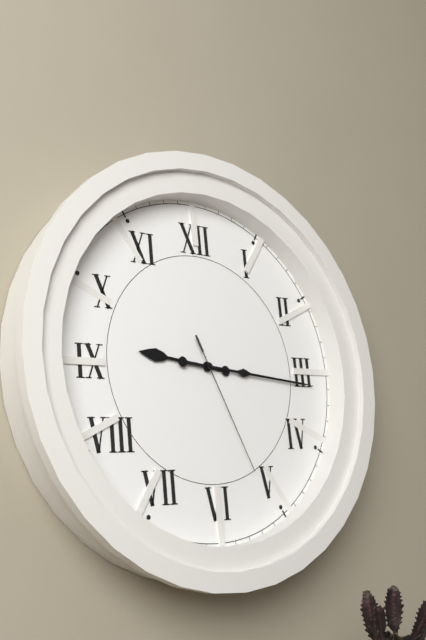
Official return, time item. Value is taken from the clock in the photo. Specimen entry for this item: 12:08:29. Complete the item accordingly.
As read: 9:16:26
